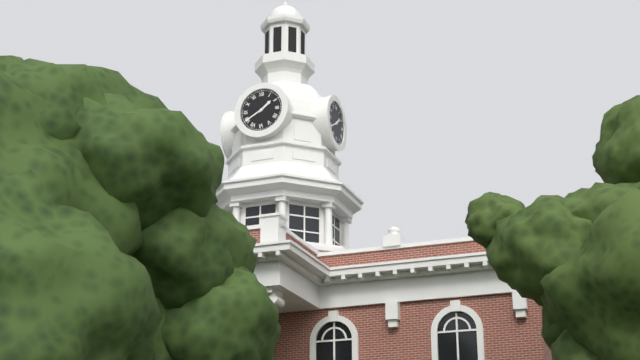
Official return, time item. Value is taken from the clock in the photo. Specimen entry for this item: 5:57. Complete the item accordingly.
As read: 1:40
